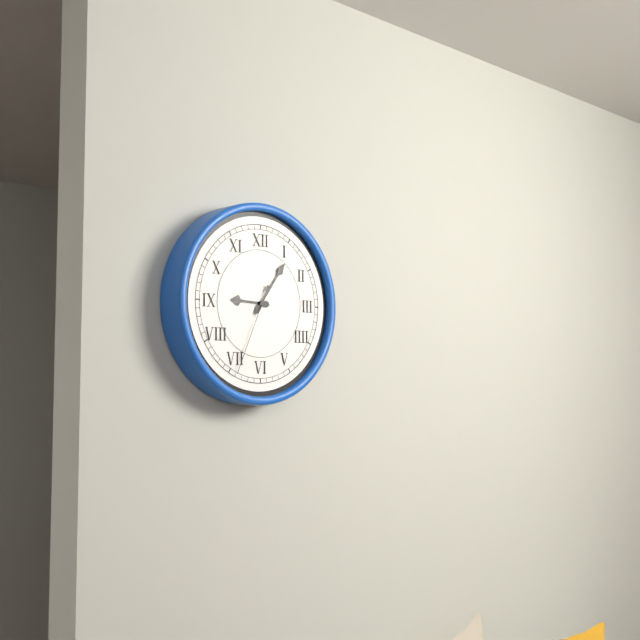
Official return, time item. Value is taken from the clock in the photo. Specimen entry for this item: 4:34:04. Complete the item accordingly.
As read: 9:06:34
